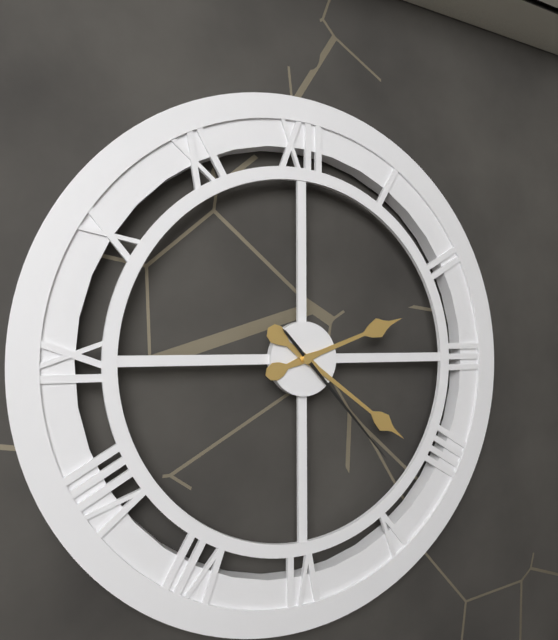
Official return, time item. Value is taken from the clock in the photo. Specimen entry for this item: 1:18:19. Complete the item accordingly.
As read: 2:21:23
